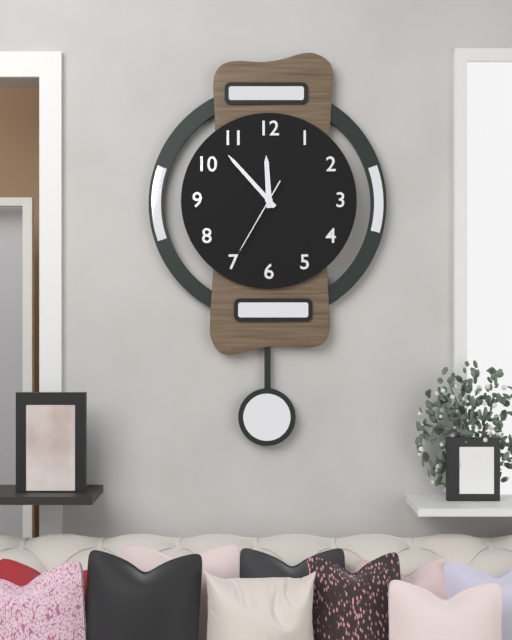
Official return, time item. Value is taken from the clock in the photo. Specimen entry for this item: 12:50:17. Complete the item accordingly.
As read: 11:53:35
